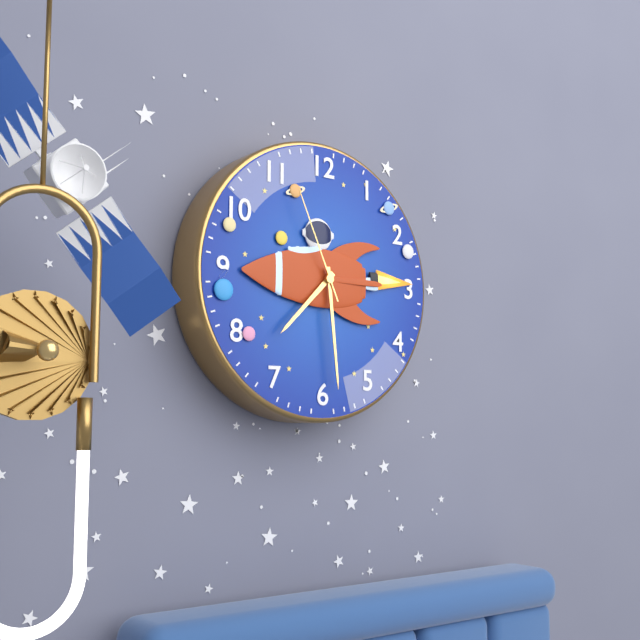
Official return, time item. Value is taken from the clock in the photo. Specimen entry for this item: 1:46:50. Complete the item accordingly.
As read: 7:29:56
